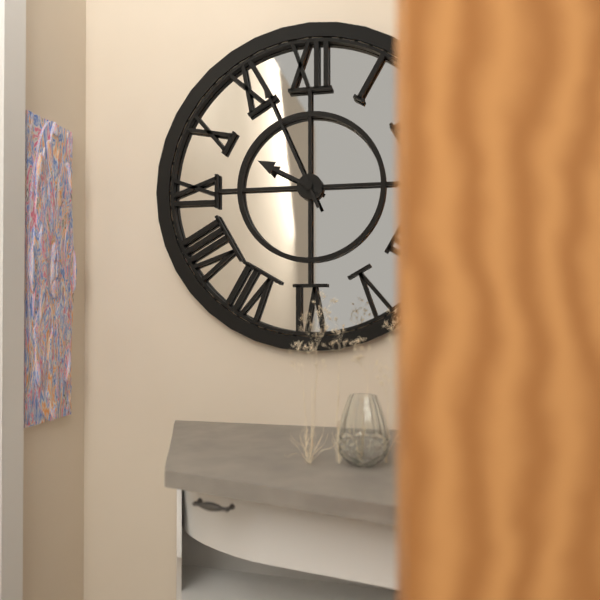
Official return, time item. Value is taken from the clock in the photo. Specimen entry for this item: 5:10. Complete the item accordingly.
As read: 9:56
